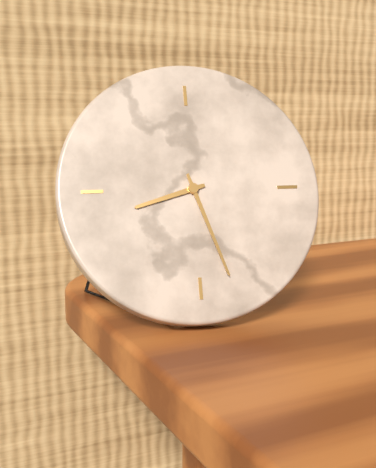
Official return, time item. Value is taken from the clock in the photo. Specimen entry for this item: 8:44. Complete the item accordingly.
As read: 8:27
